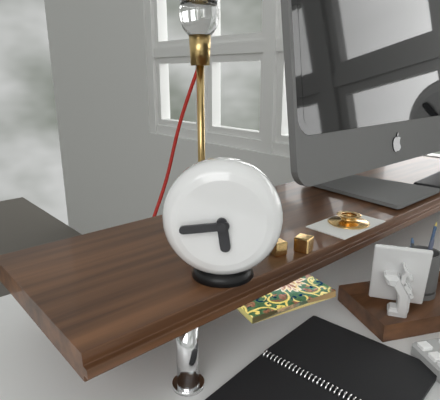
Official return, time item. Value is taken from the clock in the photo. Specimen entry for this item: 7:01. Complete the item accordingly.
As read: 5:44
